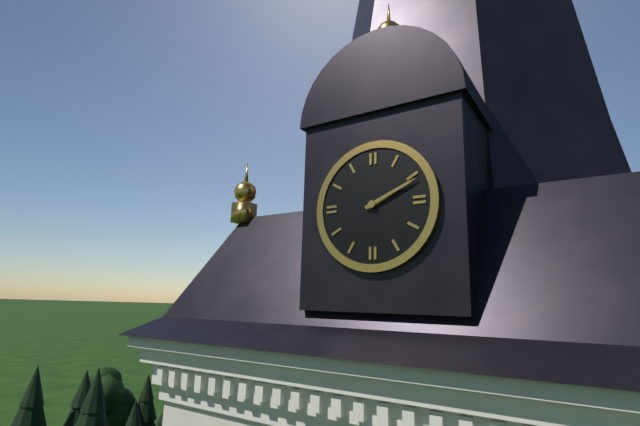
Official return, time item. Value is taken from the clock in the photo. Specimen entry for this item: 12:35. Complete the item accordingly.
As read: 2:11
